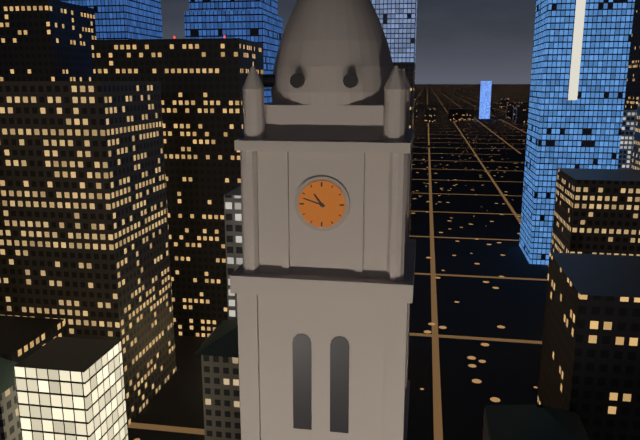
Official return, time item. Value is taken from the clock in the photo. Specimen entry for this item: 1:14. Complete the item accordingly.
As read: 10:48
